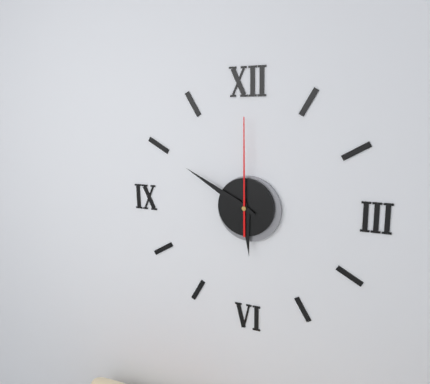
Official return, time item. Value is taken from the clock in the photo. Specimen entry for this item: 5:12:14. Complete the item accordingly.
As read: 5:50:00
